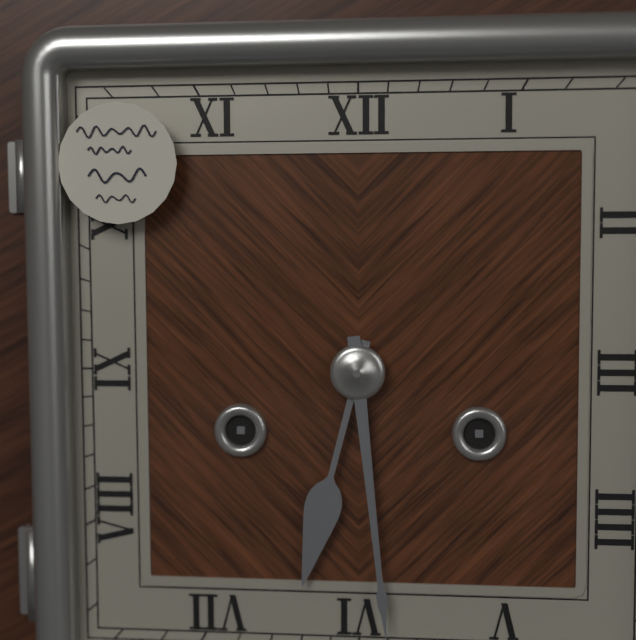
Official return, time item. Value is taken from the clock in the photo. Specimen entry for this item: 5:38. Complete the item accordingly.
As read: 6:29
